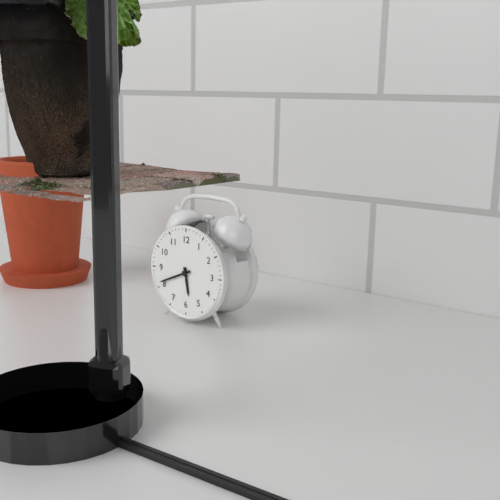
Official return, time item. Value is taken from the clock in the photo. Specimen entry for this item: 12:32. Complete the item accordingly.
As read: 5:41
